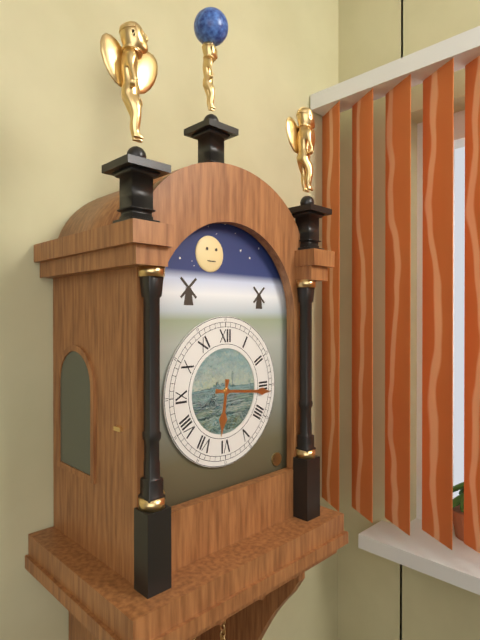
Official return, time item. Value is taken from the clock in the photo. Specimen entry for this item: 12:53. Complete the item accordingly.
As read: 6:16
